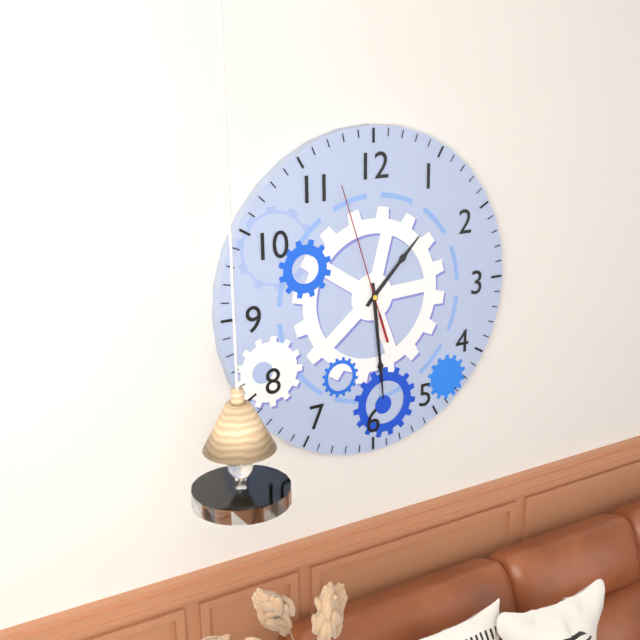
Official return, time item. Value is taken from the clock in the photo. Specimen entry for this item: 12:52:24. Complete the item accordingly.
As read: 1:29:57
